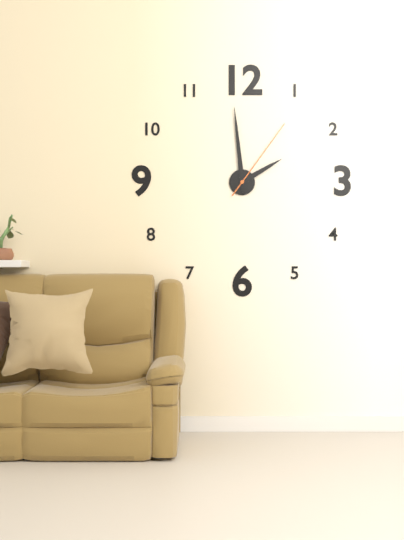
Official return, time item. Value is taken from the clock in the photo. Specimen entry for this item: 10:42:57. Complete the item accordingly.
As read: 1:59:06
